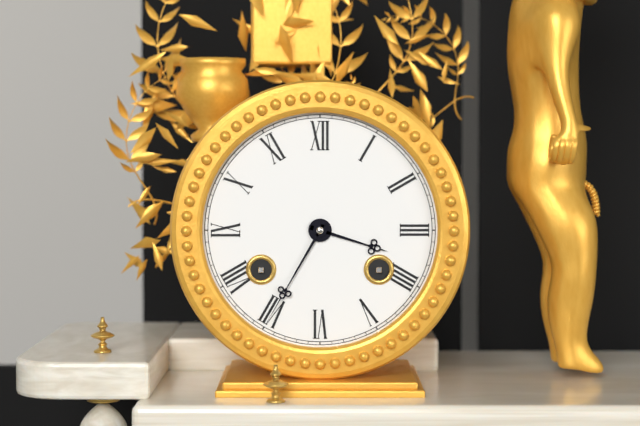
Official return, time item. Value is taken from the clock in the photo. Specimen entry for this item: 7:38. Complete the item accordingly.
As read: 3:35
